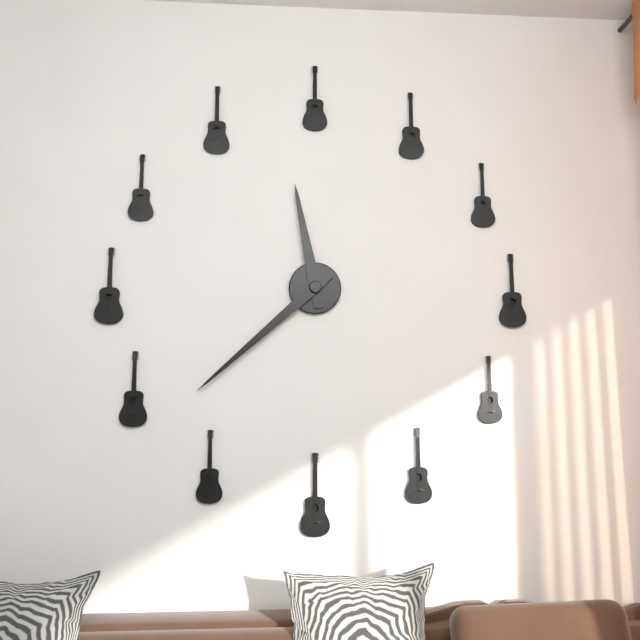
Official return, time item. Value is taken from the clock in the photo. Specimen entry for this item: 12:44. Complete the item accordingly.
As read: 11:38
